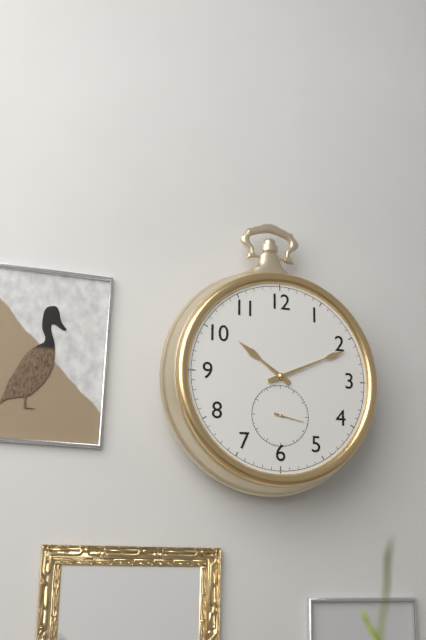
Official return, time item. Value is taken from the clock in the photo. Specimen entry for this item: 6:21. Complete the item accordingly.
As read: 10:11
